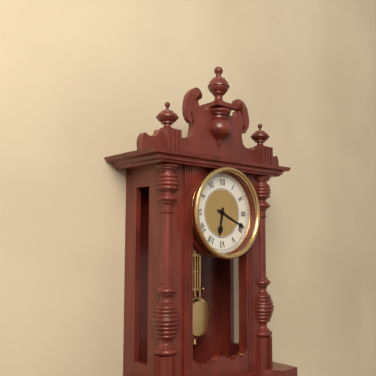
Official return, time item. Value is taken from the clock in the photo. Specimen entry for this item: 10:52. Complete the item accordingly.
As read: 6:19
